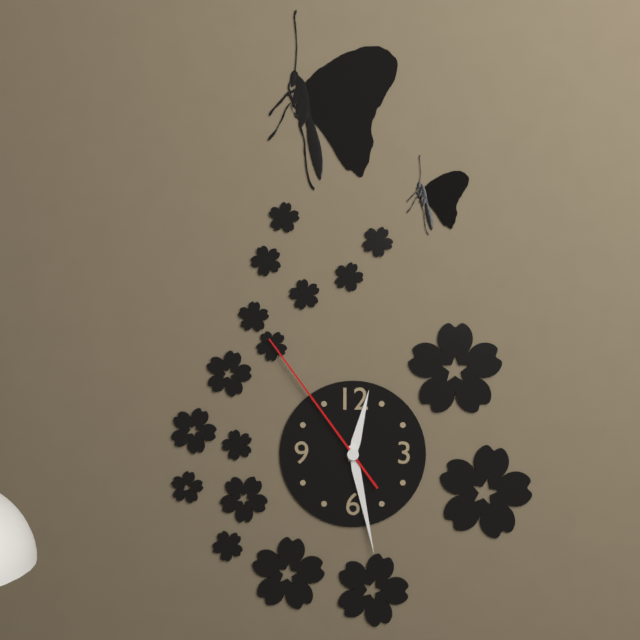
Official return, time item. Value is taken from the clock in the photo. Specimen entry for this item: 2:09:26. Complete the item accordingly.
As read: 12:28:54
